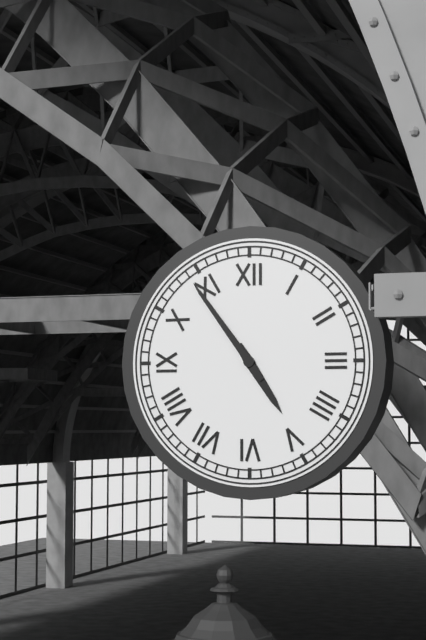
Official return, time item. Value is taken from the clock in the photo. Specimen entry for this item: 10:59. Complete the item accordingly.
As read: 4:54
